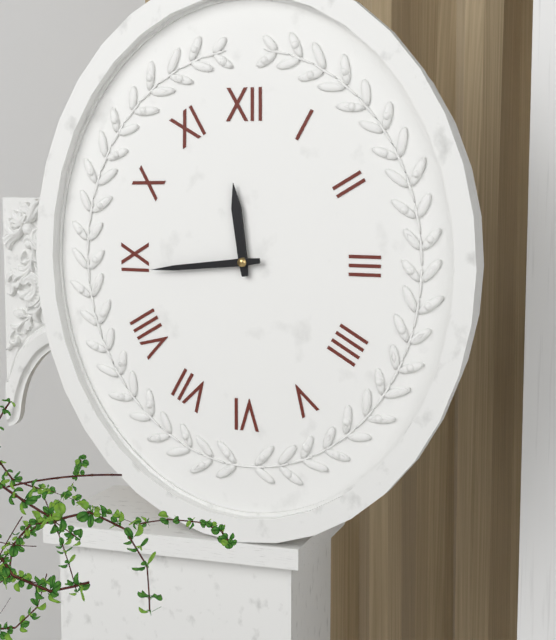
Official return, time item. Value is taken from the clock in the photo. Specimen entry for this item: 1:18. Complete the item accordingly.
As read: 11:44
